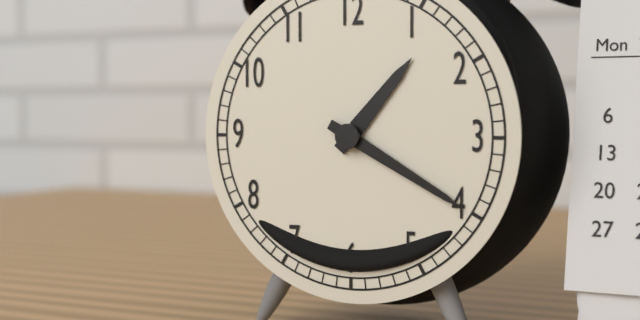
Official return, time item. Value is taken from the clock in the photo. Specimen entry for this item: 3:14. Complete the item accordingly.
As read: 1:20
